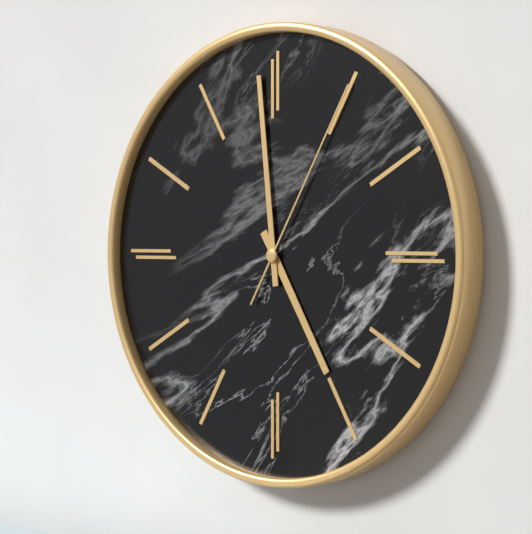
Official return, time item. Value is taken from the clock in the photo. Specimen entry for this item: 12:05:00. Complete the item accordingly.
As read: 4:59:05
